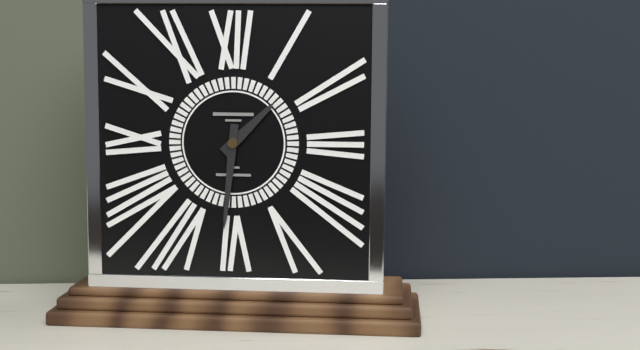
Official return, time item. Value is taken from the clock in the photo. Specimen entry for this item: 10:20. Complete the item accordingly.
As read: 1:31
